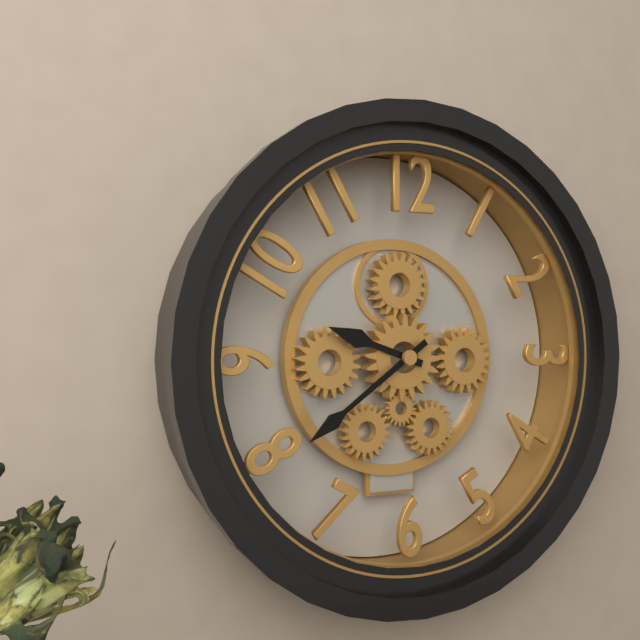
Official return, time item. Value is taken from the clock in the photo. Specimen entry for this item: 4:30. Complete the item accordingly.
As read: 9:39
